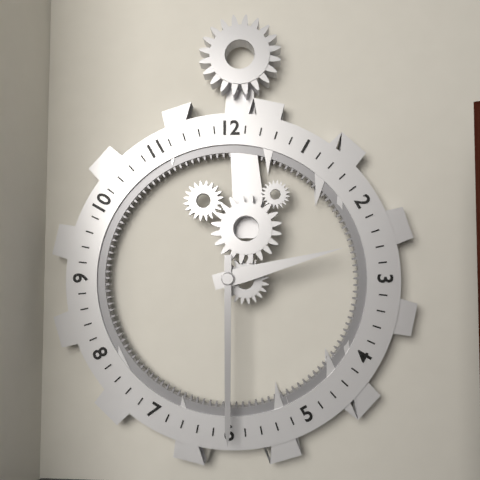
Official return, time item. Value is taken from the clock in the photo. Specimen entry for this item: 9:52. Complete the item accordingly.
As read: 2:30
